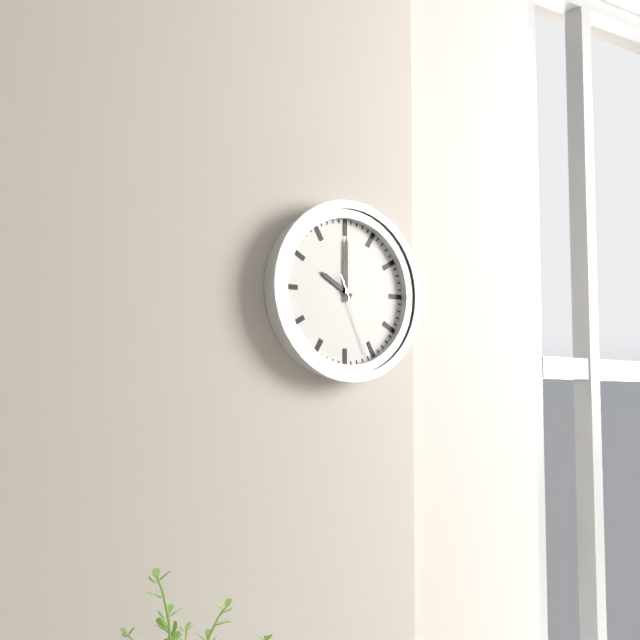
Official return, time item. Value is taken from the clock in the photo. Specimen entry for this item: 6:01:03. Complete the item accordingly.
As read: 10:00:26
